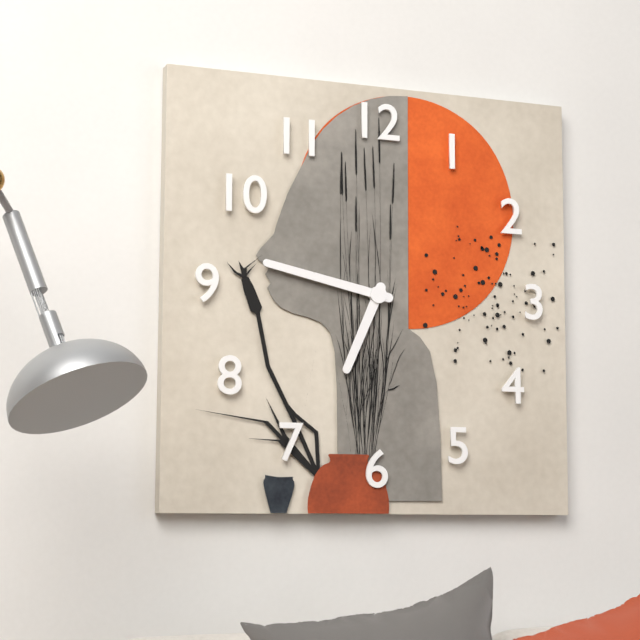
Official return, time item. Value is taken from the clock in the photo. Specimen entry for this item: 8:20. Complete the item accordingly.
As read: 6:47
